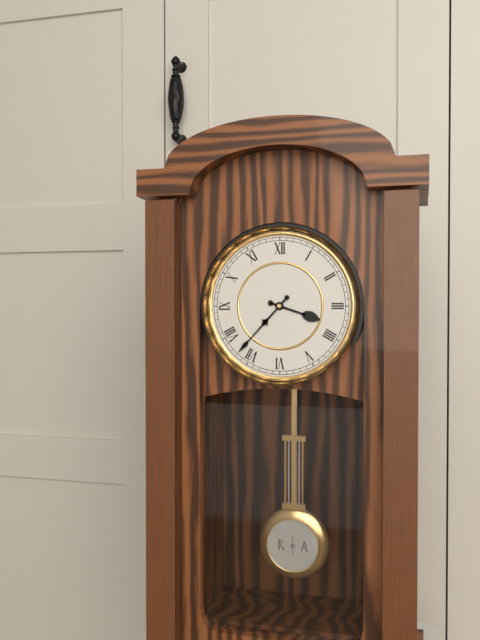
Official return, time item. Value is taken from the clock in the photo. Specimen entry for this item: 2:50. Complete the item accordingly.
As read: 3:37
